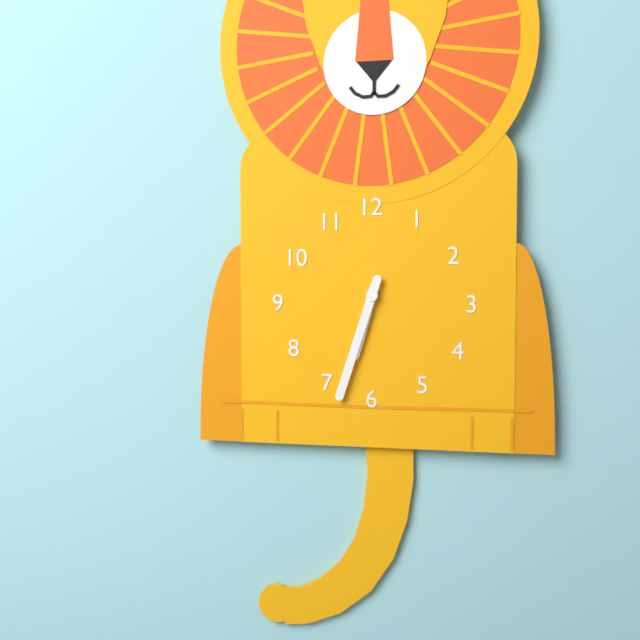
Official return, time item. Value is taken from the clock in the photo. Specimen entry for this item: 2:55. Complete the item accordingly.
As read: 6:33
